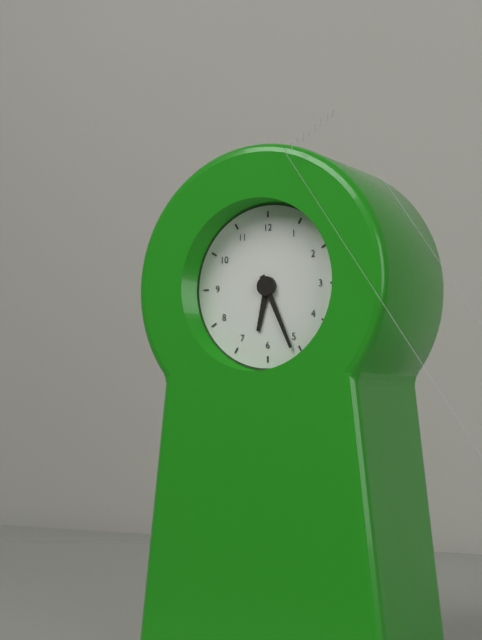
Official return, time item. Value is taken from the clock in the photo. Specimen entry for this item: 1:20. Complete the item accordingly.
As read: 6:26
